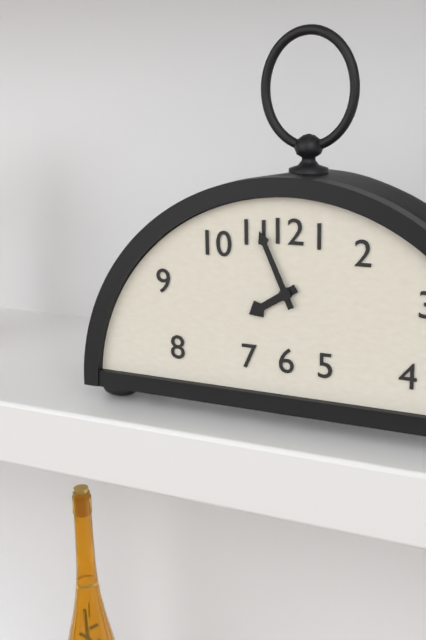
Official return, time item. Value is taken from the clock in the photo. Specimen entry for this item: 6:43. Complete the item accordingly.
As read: 7:56
